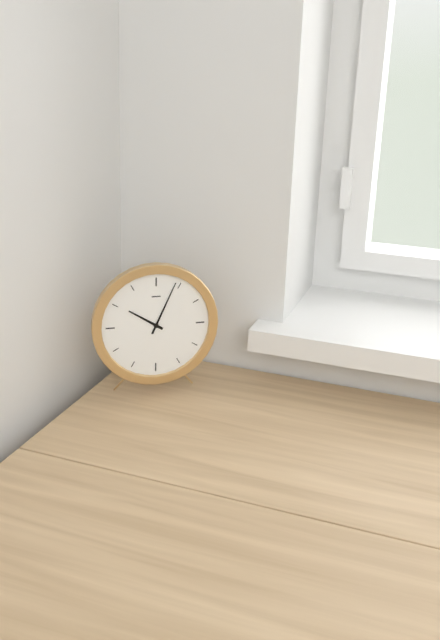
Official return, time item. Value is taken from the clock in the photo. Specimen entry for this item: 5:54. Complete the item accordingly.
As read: 10:04
